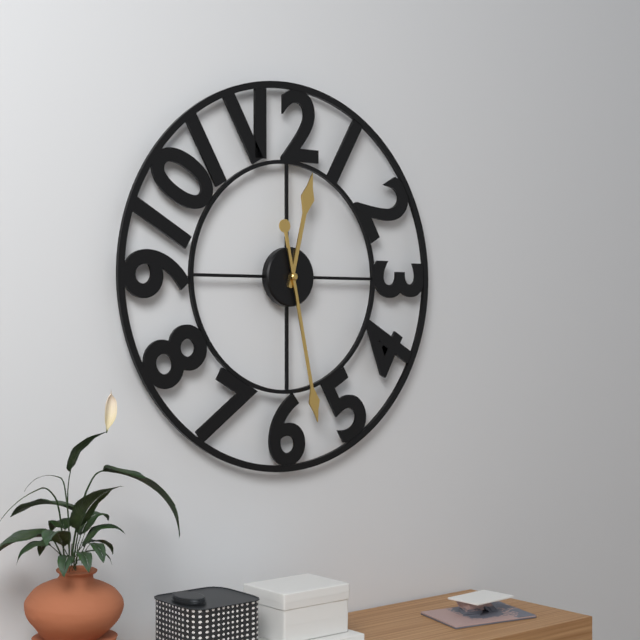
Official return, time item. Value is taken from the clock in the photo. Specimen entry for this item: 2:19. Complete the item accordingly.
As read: 12:28
